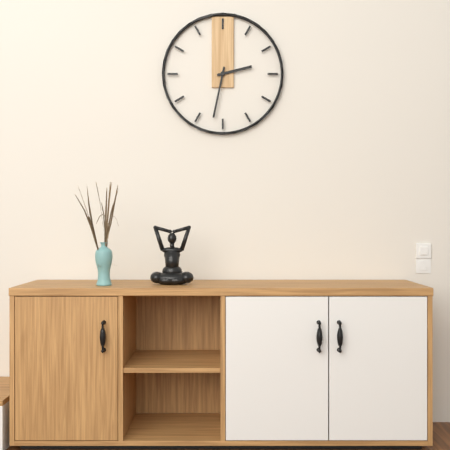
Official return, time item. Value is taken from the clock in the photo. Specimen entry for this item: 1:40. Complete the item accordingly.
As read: 2:32
